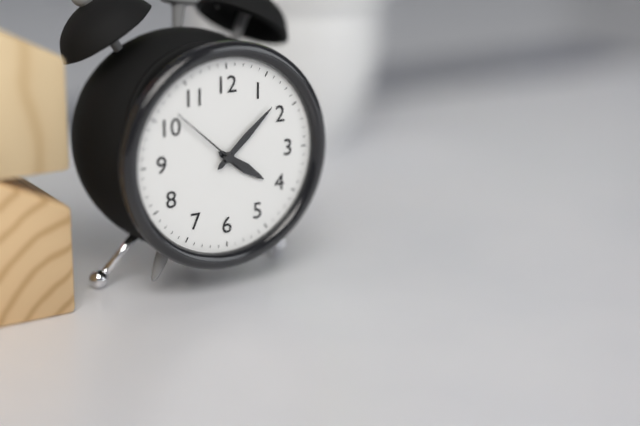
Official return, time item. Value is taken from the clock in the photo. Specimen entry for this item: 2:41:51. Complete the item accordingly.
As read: 4:08:52
